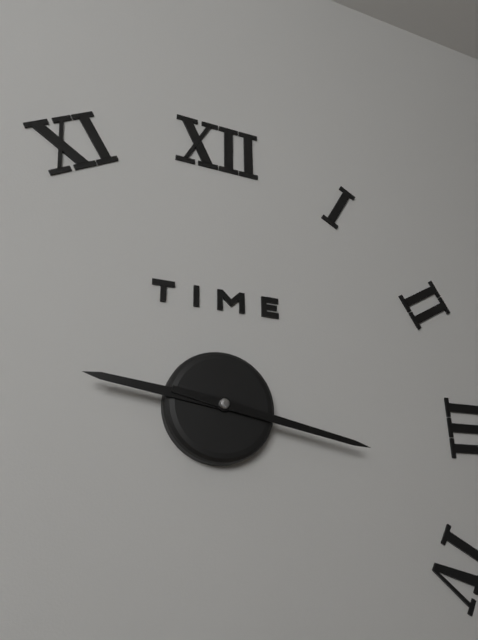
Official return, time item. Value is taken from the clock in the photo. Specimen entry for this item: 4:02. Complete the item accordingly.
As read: 9:17
